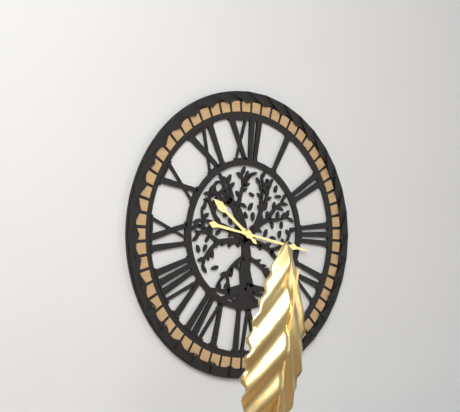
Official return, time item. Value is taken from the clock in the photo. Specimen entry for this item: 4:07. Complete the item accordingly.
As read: 10:17
